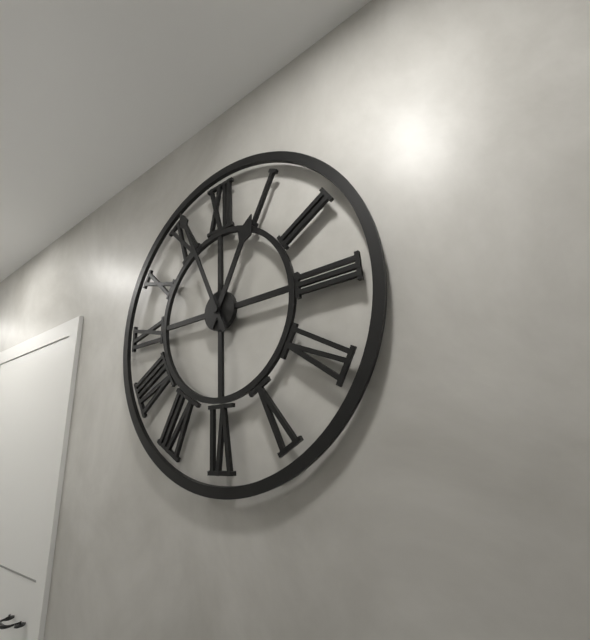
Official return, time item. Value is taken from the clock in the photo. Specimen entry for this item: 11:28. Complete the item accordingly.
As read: 12:56
